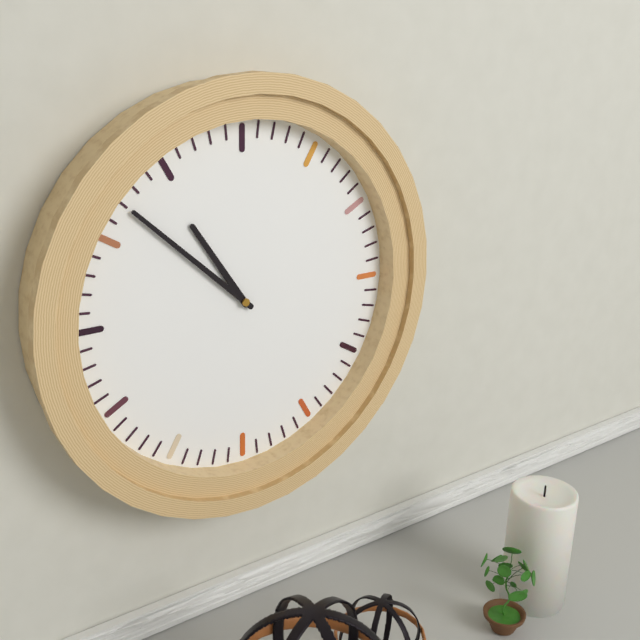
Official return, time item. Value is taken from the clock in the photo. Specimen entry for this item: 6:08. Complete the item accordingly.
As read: 10:52
